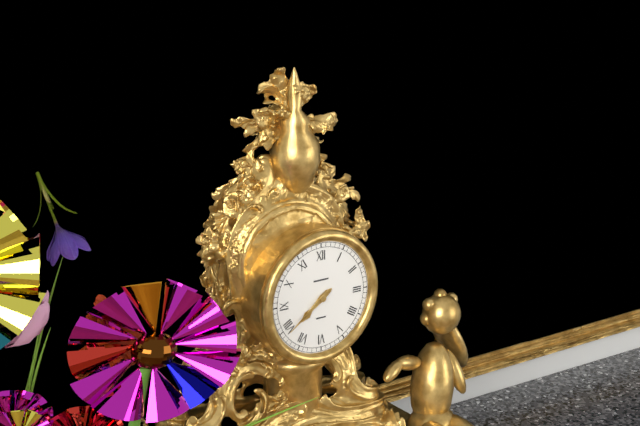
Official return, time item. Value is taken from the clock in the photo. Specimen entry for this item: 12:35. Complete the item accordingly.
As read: 7:39
